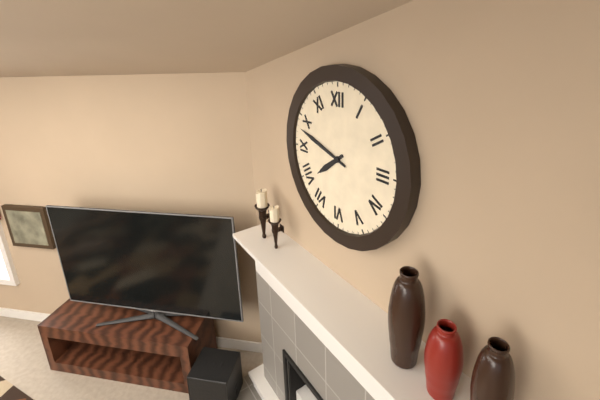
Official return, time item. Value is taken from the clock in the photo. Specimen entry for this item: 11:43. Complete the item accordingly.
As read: 7:48
